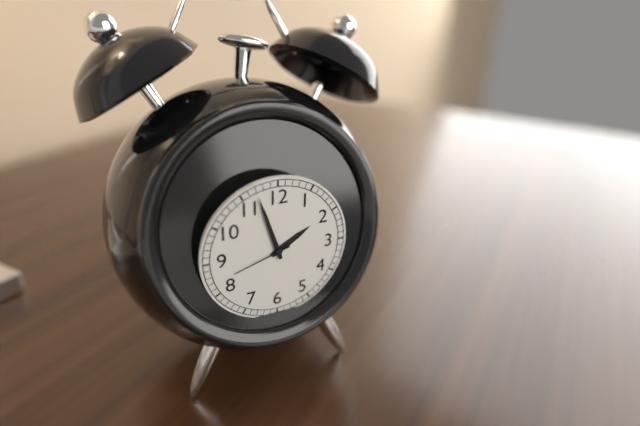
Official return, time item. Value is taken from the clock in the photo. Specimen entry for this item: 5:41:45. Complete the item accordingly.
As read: 1:57:42
